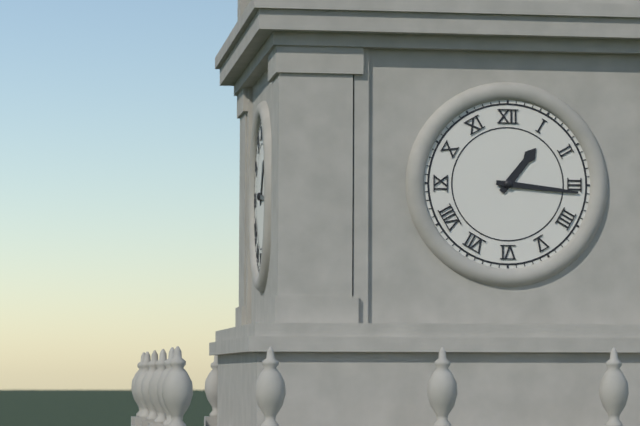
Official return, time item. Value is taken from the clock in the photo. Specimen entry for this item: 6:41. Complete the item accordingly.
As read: 1:16
